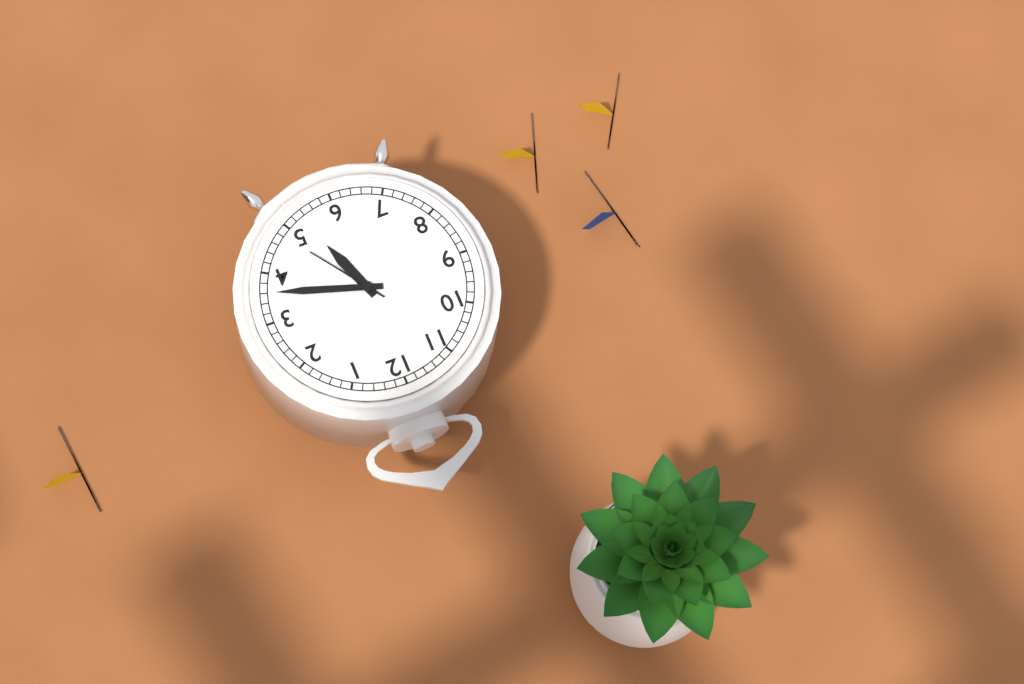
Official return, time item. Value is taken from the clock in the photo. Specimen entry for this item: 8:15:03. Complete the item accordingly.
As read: 5:18:24
